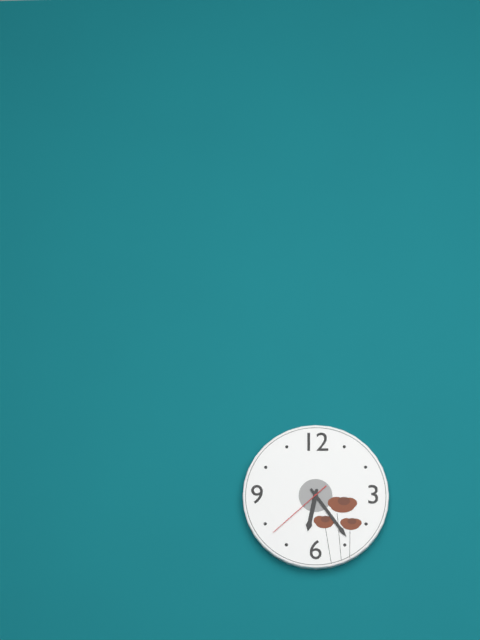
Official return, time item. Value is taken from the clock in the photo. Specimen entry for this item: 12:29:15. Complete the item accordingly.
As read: 6:24:38
